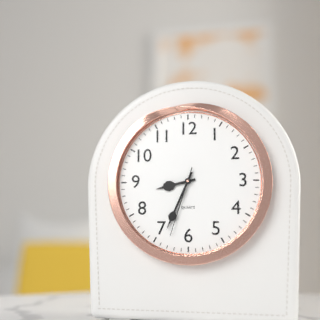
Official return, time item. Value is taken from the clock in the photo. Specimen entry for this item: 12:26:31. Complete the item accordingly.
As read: 8:34:33
